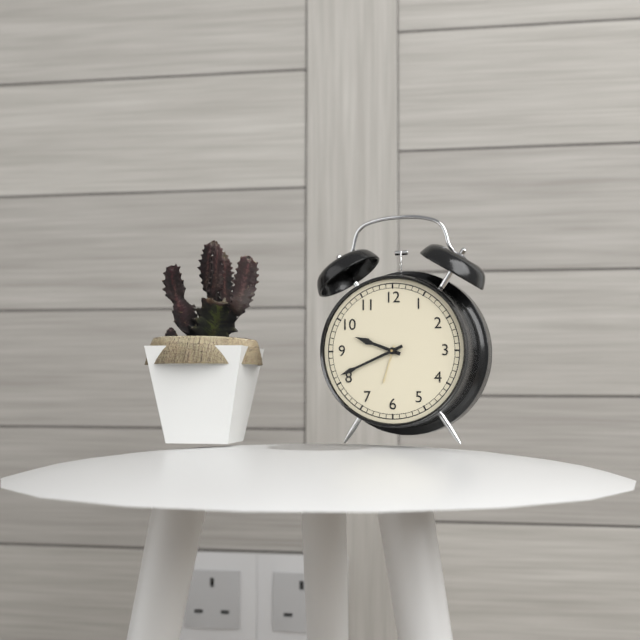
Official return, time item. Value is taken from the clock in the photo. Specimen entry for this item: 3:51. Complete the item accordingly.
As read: 9:41
